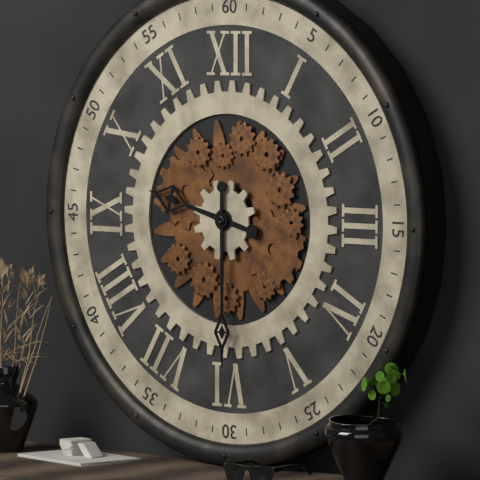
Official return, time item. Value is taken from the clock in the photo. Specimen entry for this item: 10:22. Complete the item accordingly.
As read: 9:30
